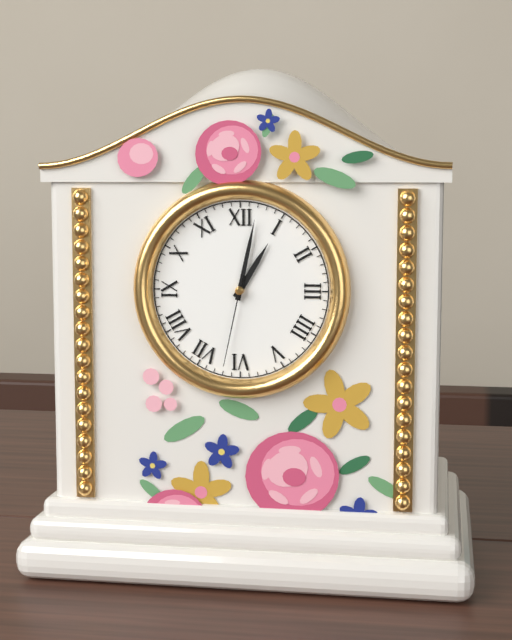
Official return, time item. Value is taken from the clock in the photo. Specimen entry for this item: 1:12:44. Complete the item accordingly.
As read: 1:02:32
